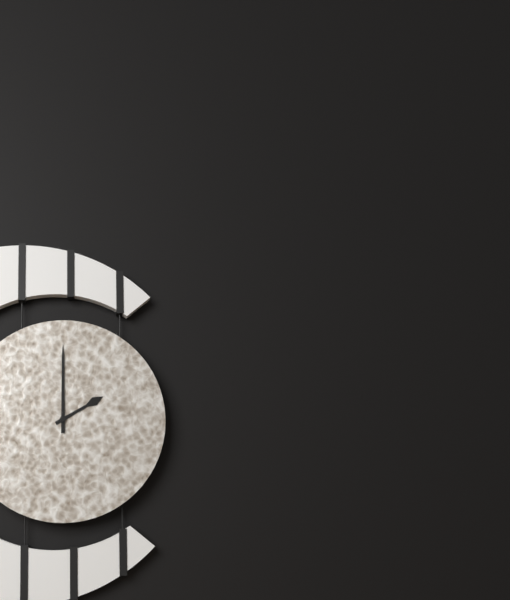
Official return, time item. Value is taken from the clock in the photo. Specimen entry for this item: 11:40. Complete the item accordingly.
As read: 2:00
